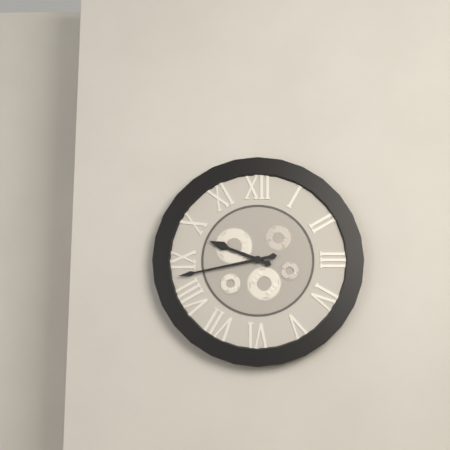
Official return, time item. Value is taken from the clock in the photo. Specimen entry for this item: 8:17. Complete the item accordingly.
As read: 9:43
